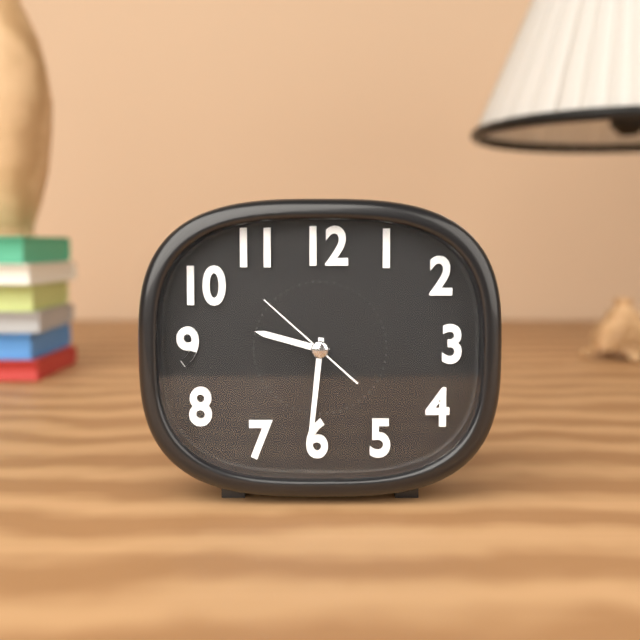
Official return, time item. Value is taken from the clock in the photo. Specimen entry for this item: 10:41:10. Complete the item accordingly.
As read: 9:31:52
